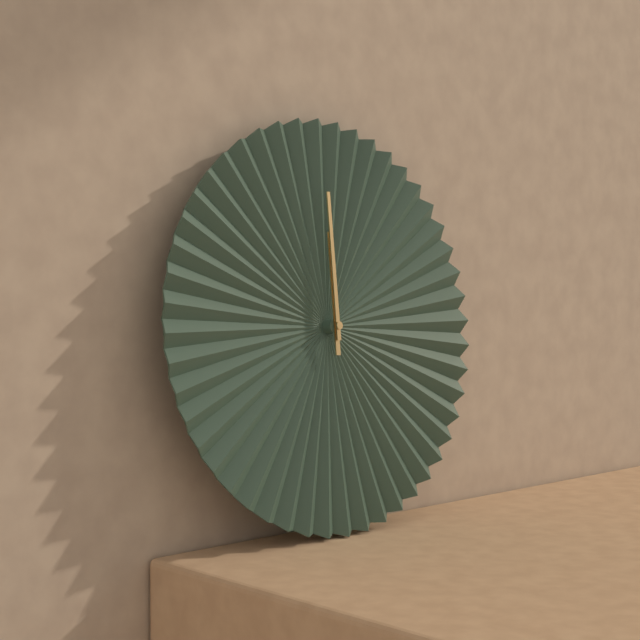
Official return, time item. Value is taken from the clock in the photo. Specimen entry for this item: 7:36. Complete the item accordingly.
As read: 12:00
